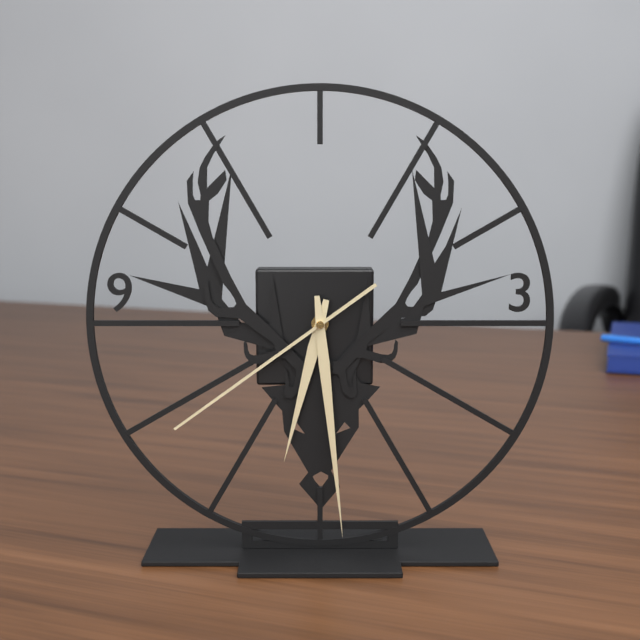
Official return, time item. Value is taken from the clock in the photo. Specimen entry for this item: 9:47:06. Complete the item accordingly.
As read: 6:29:39
